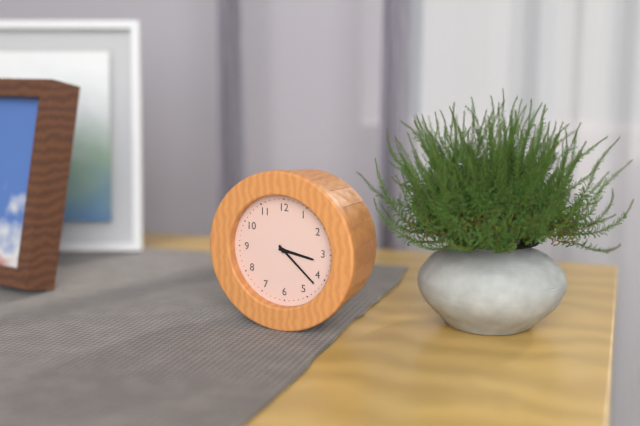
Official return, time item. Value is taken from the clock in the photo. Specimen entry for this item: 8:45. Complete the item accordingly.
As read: 3:22
